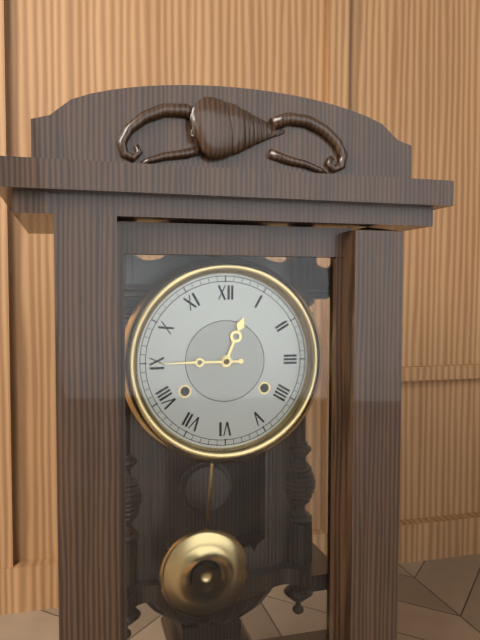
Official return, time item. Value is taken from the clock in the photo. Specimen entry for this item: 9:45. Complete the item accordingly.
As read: 12:45
